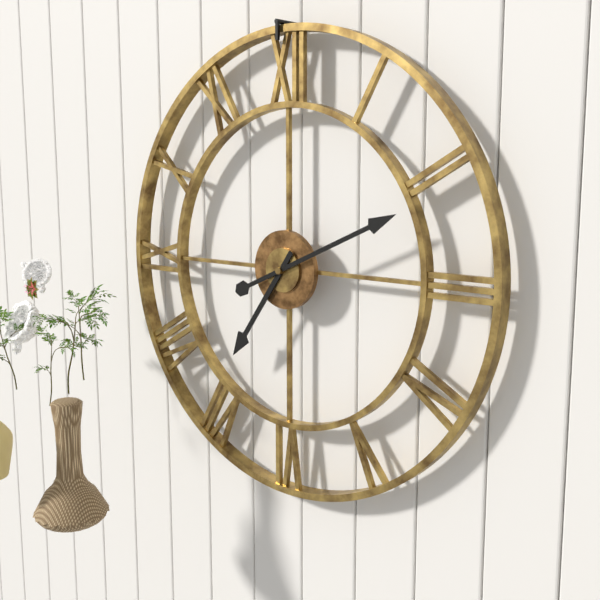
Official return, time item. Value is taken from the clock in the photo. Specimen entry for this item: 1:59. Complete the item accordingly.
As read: 7:11
